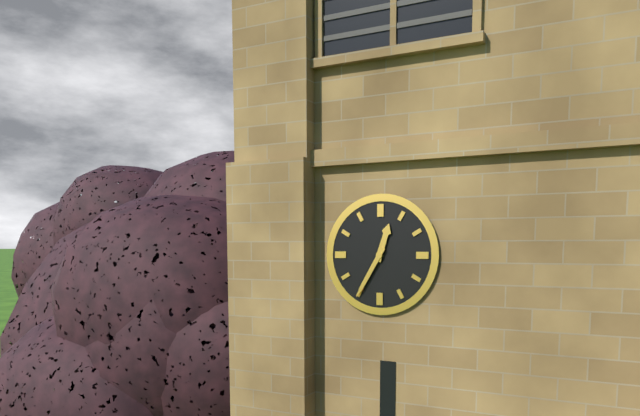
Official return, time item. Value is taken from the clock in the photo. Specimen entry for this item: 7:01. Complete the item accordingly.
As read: 12:35
